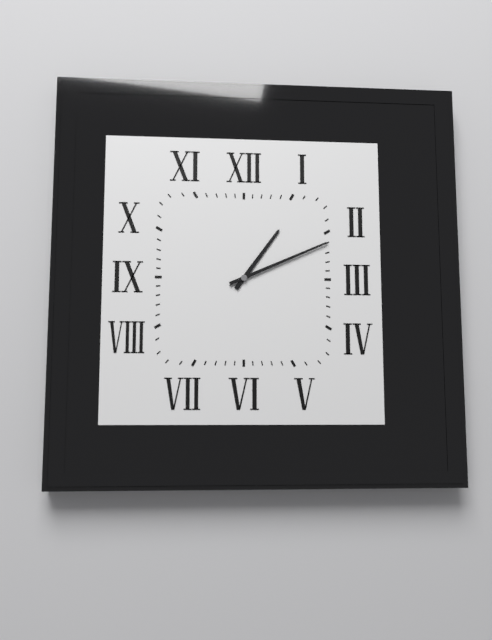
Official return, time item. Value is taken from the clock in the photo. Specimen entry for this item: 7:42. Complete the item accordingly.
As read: 1:11
